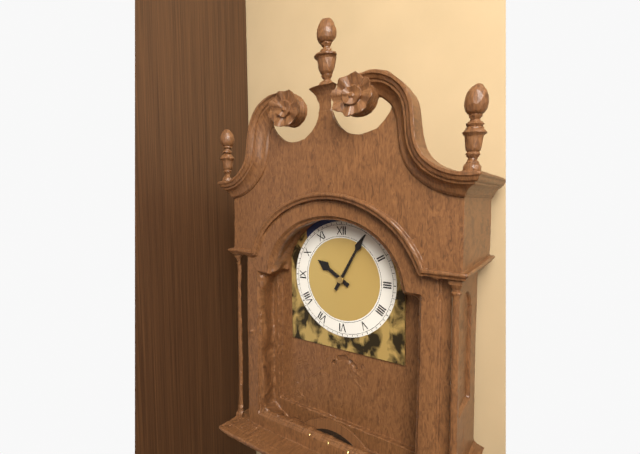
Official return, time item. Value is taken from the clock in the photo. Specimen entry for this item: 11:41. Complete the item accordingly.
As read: 10:05
